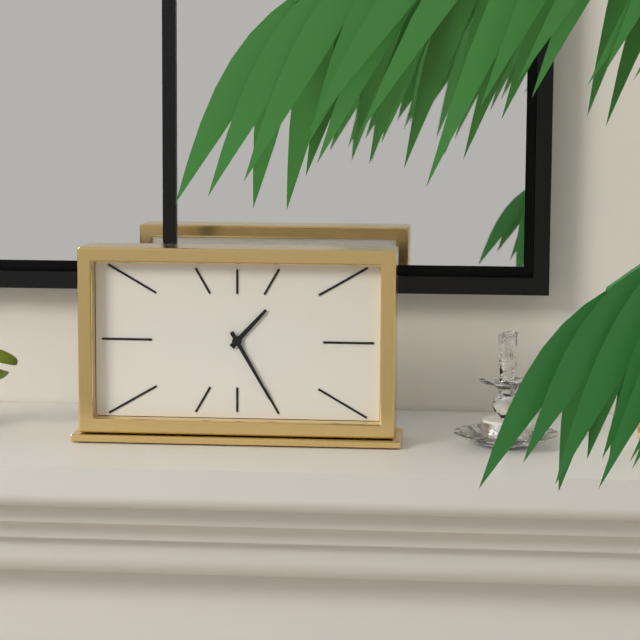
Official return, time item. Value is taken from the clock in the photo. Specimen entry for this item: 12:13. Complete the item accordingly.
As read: 1:25
